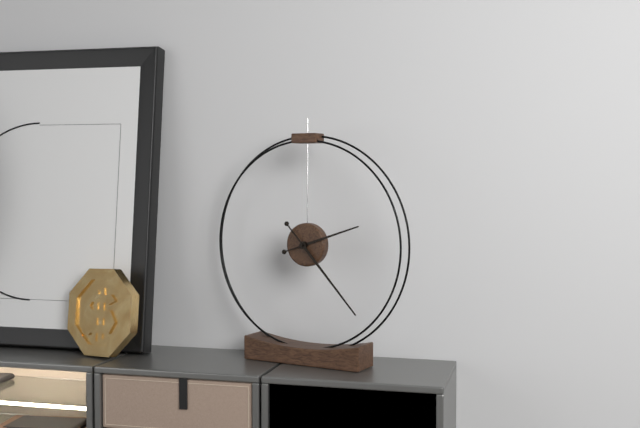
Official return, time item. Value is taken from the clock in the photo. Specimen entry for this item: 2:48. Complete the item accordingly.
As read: 2:23
